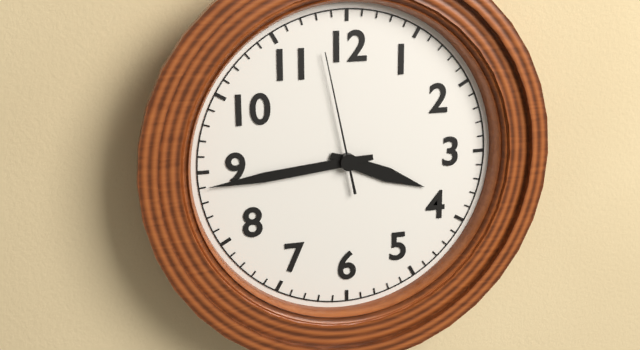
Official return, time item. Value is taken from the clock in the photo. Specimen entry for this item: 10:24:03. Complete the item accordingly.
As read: 3:44:58
